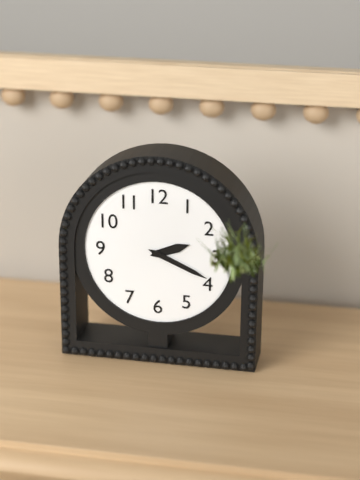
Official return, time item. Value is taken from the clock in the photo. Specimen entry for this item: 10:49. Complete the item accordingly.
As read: 2:19
